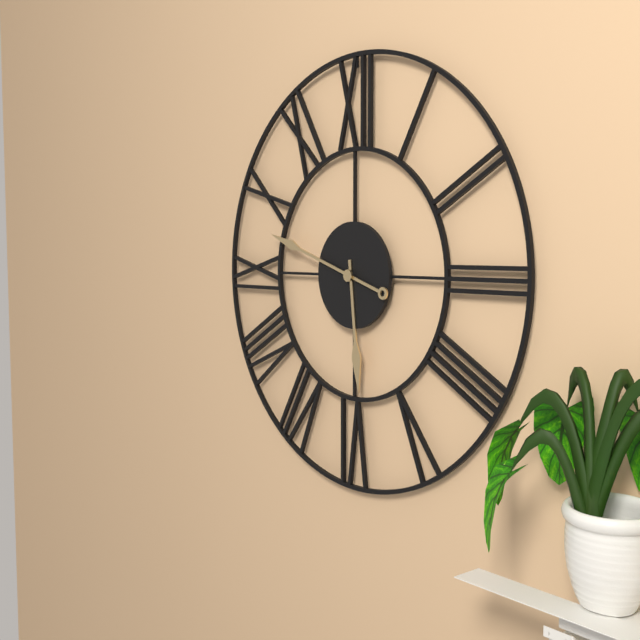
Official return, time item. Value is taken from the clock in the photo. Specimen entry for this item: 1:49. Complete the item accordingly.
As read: 5:48
